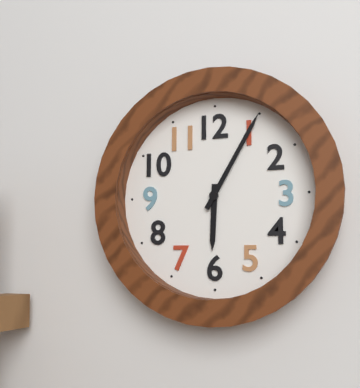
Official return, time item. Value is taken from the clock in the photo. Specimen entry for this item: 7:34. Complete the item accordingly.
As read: 6:05
